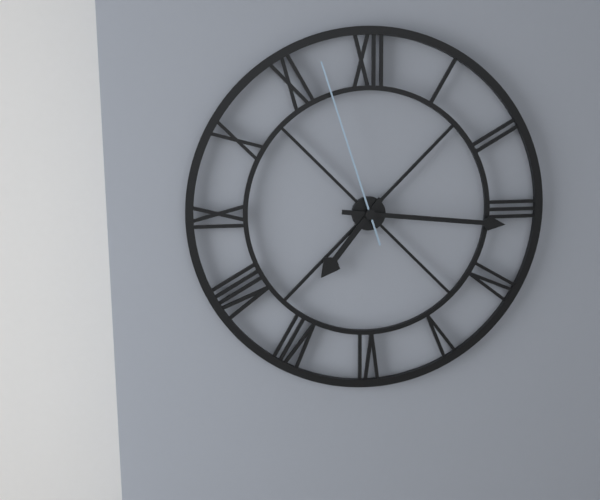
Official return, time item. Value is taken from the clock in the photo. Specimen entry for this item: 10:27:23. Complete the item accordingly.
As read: 7:16:57
